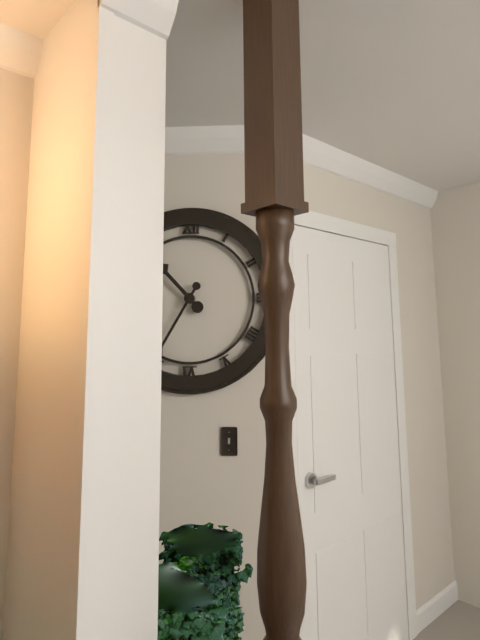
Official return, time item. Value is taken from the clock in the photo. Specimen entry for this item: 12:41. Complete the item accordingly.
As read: 10:35
